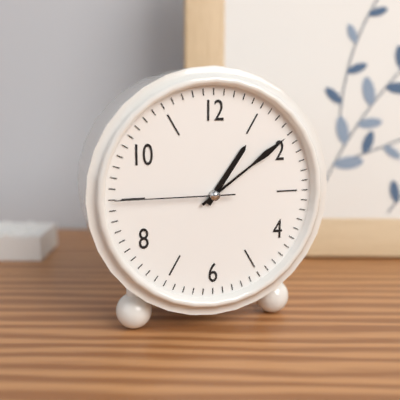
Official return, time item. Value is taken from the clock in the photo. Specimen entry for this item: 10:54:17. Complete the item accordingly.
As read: 1:09:45
